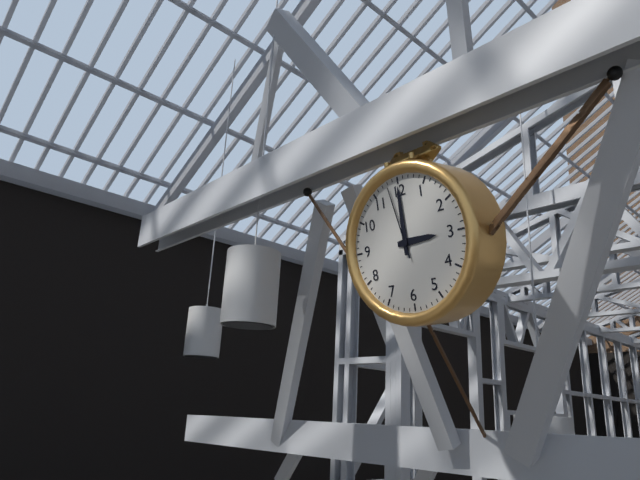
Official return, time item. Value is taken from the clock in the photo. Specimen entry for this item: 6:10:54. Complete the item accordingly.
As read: 3:00:58
